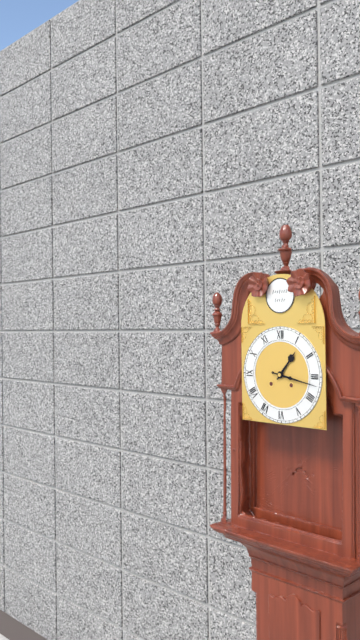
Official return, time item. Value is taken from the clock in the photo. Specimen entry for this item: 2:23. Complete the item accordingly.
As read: 1:17
